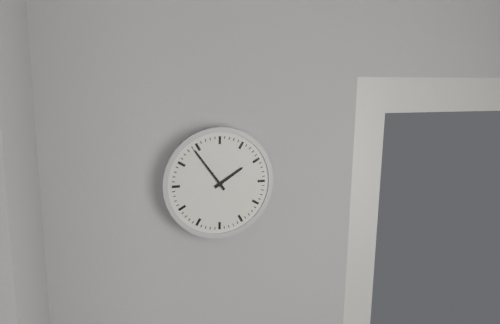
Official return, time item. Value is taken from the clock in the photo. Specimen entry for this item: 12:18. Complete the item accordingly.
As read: 1:54
